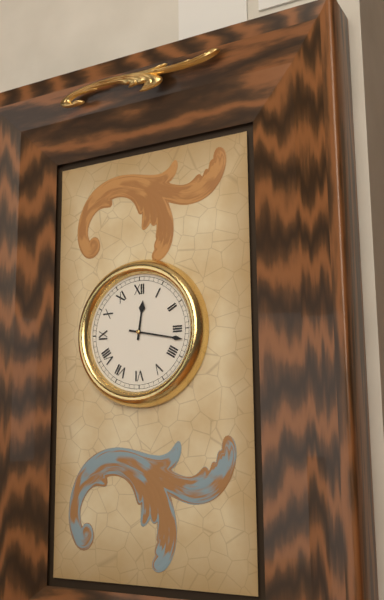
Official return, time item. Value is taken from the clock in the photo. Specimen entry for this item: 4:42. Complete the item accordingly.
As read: 12:17
